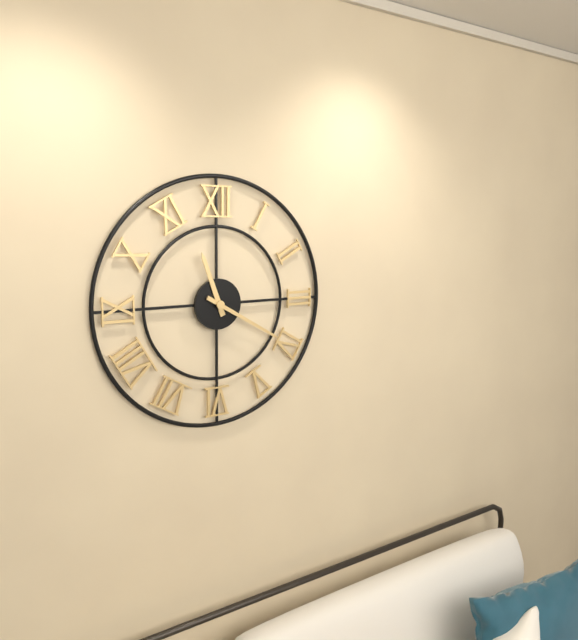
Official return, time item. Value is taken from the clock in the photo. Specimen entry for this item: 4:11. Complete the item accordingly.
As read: 11:20
